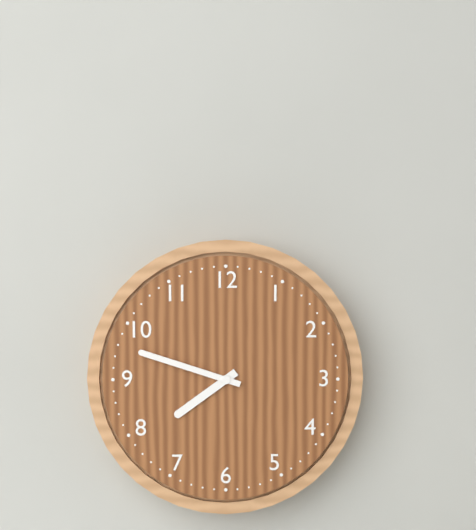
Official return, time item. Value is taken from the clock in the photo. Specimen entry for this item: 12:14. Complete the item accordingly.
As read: 7:48
